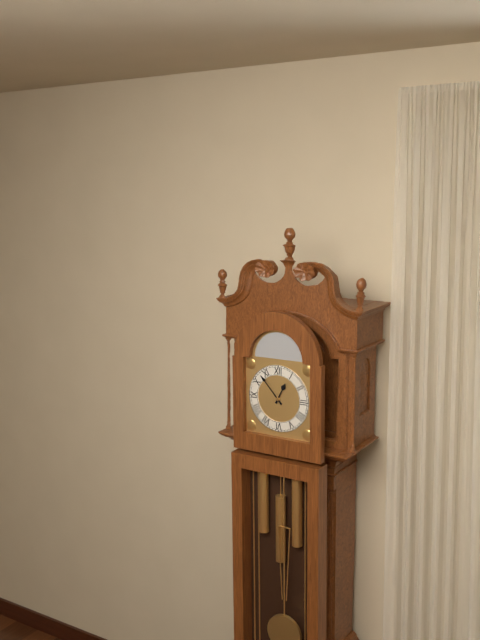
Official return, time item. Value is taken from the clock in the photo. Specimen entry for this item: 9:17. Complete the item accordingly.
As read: 12:53
